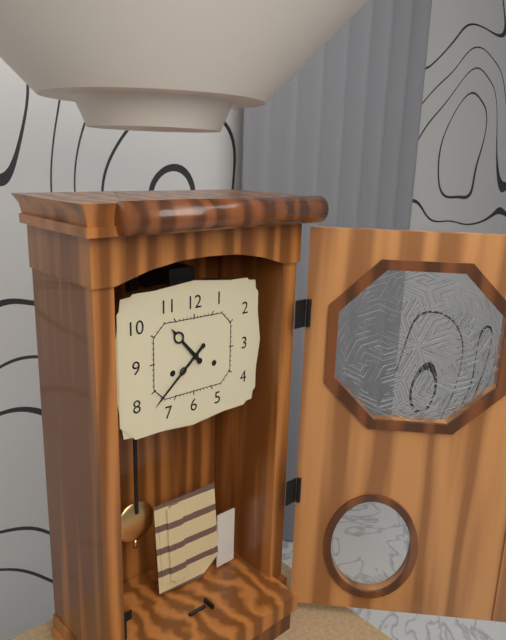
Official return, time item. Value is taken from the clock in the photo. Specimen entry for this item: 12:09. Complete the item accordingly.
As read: 10:38
